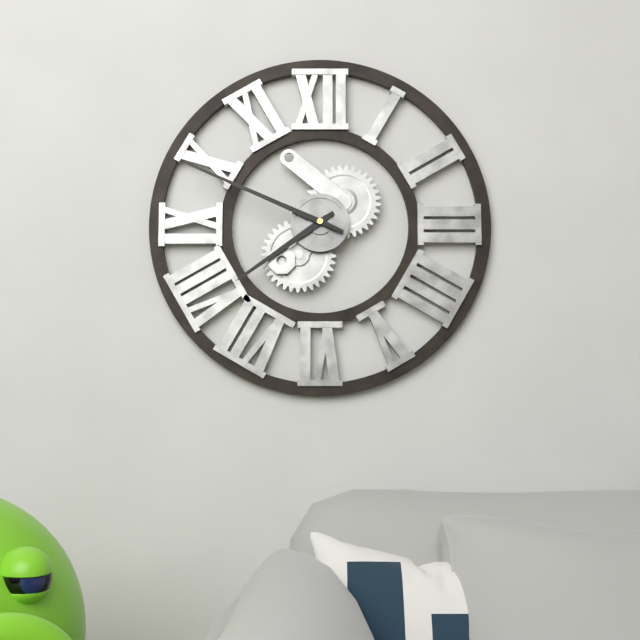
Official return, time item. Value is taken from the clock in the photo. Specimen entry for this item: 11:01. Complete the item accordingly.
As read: 7:49
